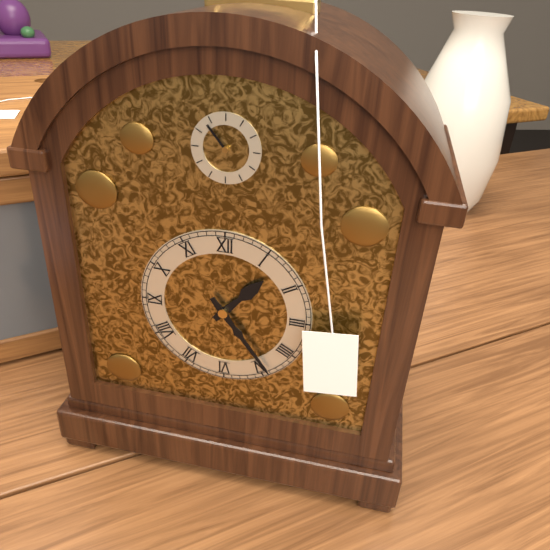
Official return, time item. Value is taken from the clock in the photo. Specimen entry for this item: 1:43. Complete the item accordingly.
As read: 1:24
